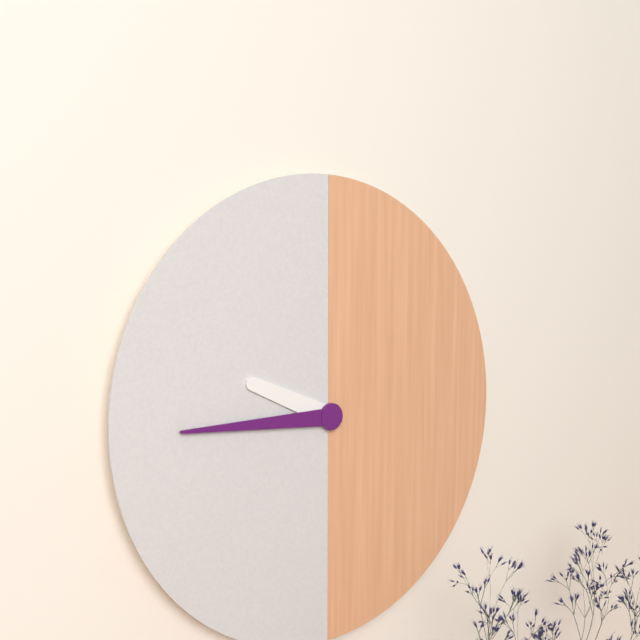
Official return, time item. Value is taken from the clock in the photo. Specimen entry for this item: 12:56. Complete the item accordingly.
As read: 9:45
